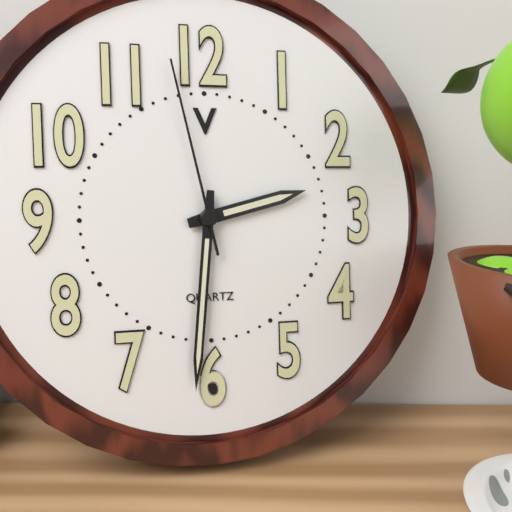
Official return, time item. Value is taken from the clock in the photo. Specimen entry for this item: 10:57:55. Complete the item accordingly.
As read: 2:31:58
